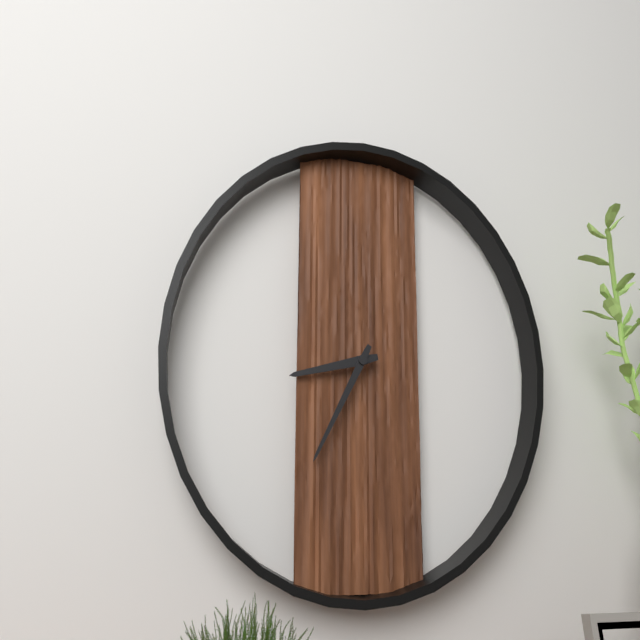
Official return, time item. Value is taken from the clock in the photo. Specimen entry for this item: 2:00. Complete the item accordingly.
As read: 8:35
